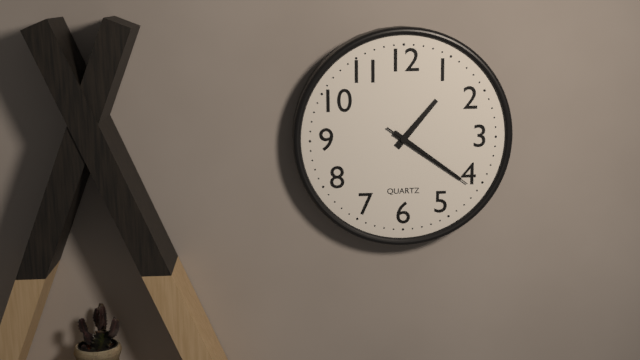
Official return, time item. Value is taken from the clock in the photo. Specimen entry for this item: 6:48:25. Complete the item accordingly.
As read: 1:21:21
